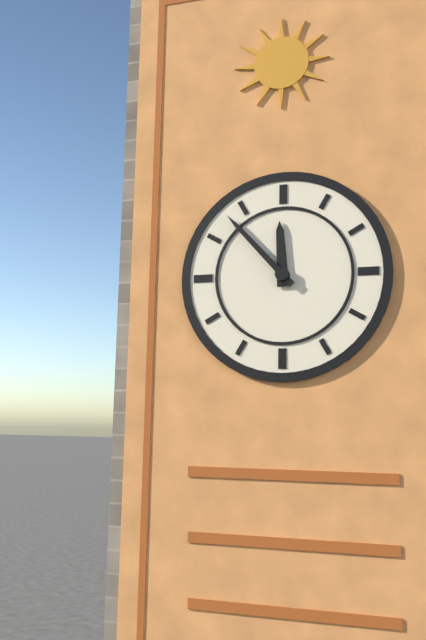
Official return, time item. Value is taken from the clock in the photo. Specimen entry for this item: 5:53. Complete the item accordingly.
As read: 11:53
